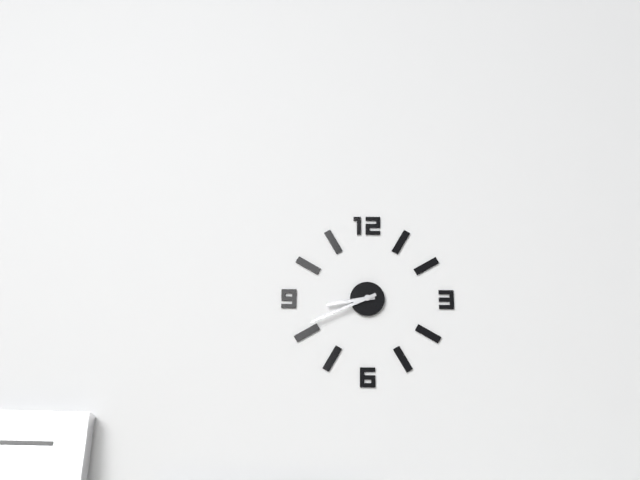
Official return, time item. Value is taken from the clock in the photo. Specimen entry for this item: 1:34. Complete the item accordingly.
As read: 8:41
